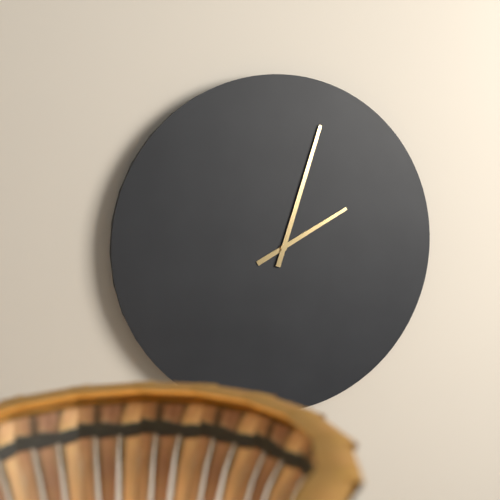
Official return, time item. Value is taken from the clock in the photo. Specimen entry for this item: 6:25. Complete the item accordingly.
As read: 2:03
